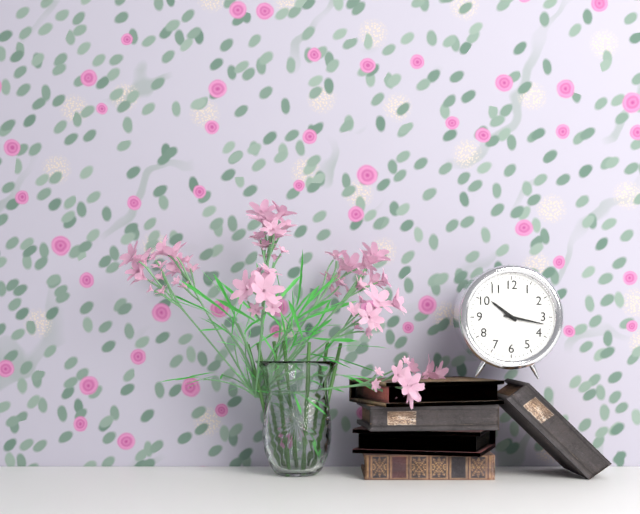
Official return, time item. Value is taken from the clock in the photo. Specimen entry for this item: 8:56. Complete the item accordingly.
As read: 10:17
